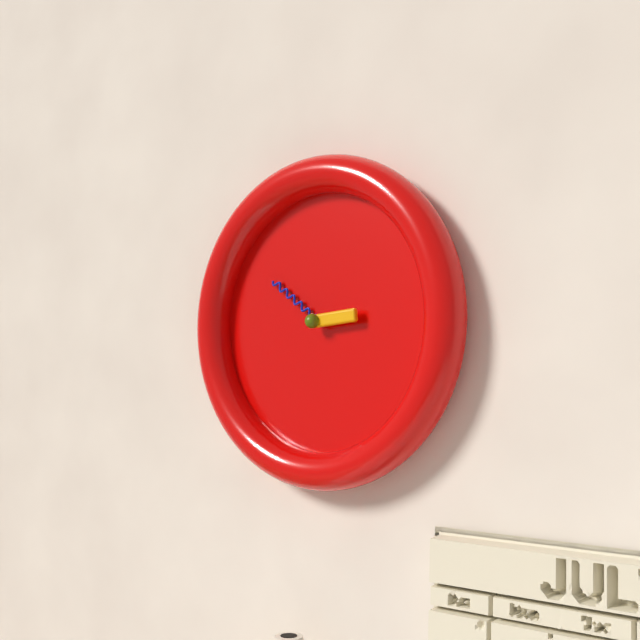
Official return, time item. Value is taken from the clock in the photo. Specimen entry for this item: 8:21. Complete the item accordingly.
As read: 2:51
